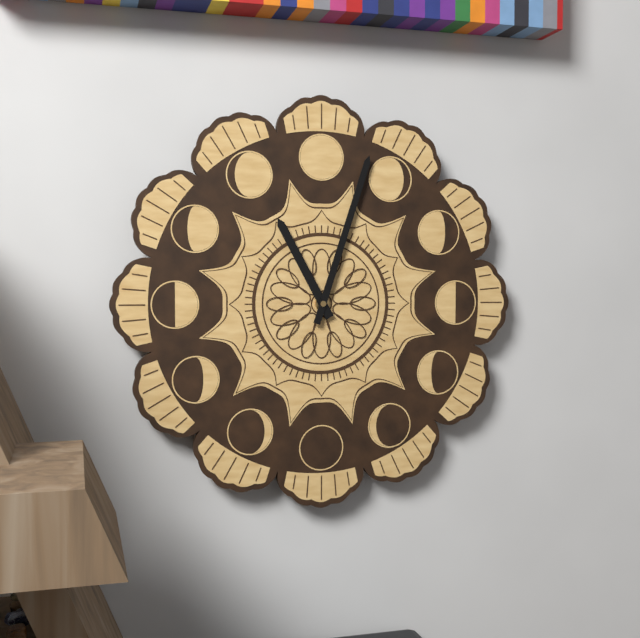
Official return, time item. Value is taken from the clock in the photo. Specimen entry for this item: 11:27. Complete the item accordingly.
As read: 11:03
